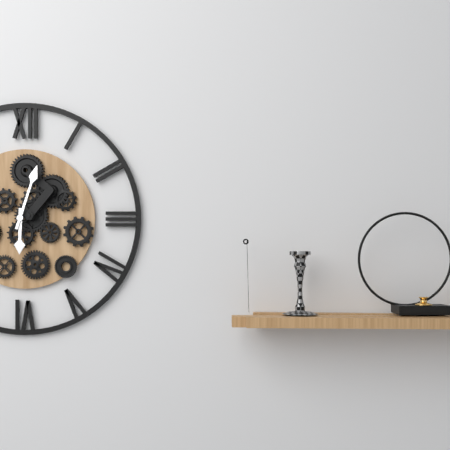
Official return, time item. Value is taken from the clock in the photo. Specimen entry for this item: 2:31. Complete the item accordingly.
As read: 6:03
